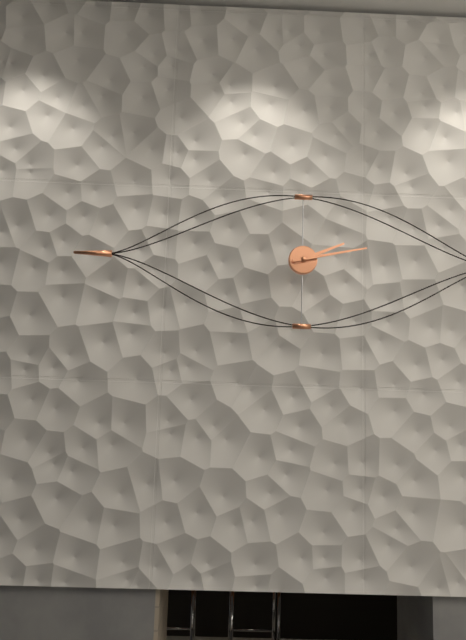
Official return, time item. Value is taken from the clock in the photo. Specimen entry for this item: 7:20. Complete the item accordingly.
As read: 2:13
